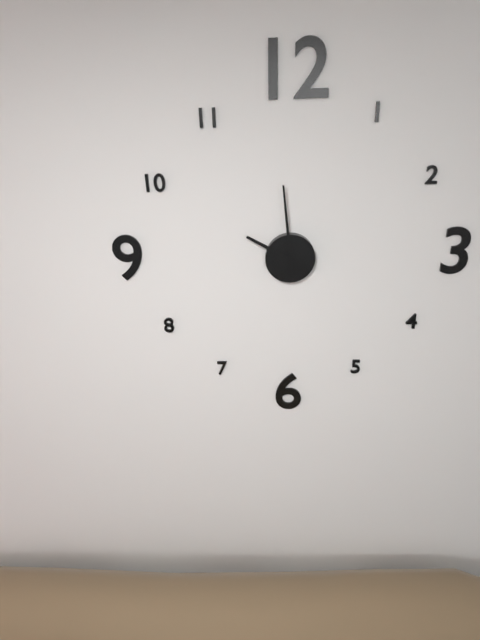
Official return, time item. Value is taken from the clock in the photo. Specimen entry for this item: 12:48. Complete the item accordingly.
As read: 9:59
